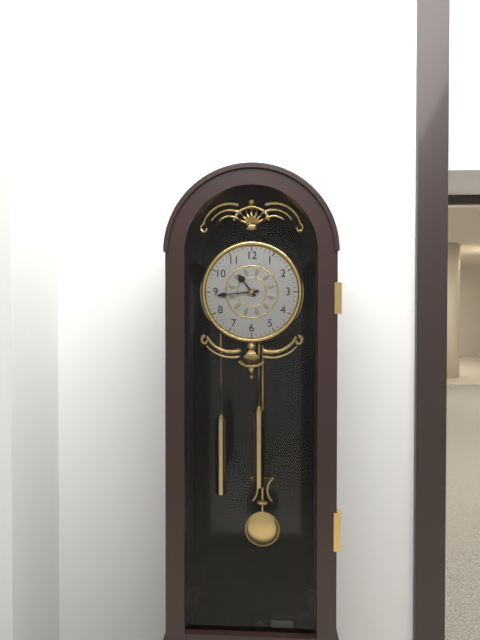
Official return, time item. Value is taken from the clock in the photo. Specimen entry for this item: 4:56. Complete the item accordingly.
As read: 10:44
